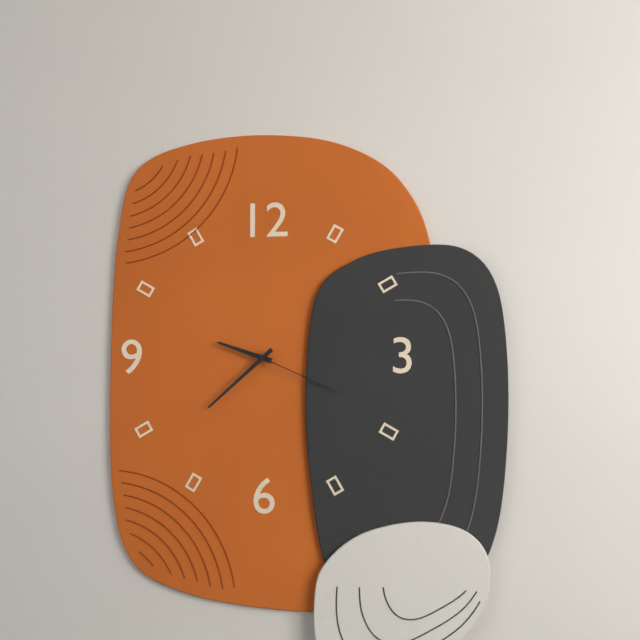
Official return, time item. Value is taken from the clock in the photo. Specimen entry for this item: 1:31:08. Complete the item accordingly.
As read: 9:38:19
